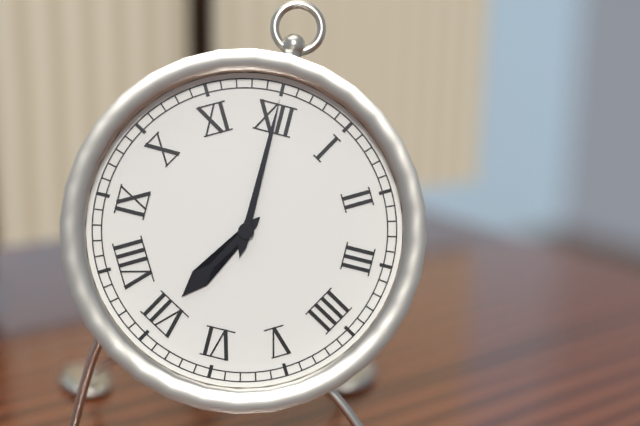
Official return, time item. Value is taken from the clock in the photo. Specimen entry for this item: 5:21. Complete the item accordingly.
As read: 7:00
